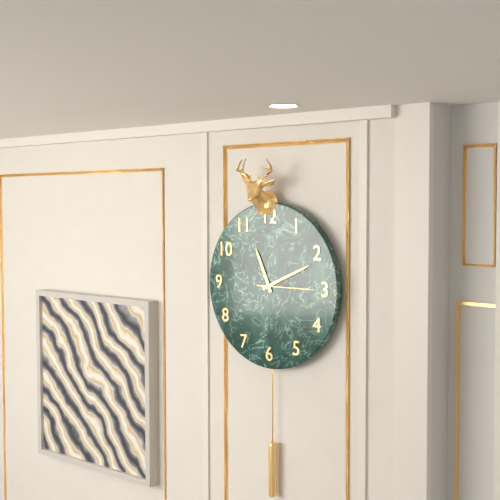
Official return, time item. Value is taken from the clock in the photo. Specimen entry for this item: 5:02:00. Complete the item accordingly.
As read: 11:11:15
